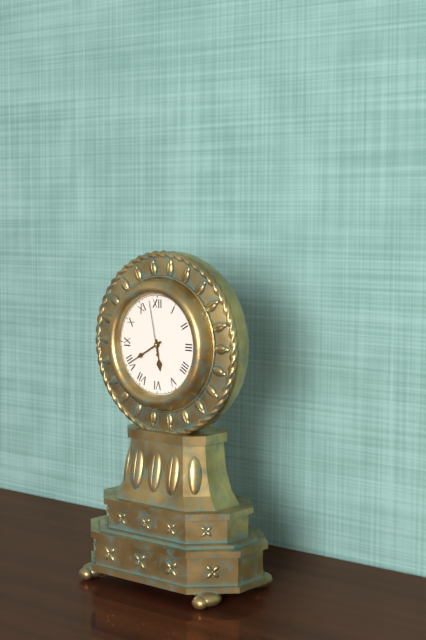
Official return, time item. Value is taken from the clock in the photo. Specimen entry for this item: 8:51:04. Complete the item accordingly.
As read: 5:40:58
